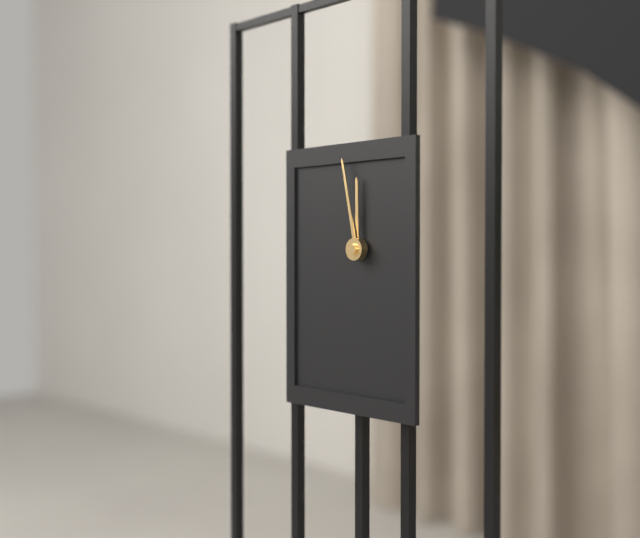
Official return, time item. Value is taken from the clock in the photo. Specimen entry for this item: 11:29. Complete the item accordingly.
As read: 11:58
